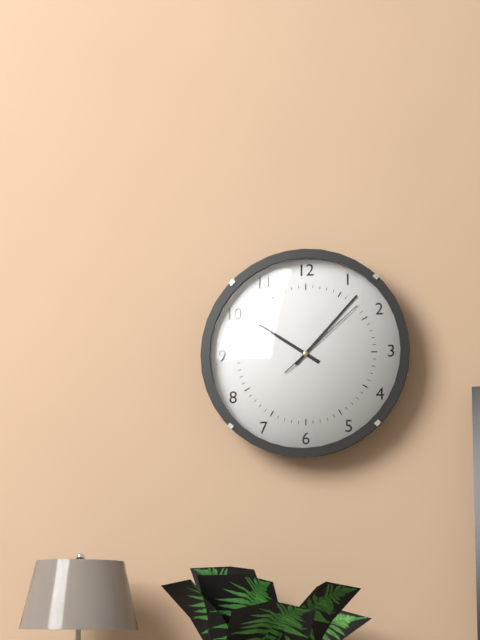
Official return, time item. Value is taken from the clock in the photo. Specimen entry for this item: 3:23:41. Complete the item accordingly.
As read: 10:07:08
